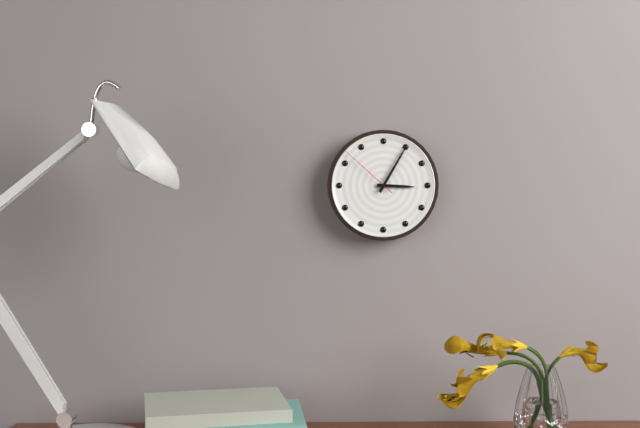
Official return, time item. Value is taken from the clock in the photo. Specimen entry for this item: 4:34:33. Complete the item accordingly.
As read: 3:05:52
